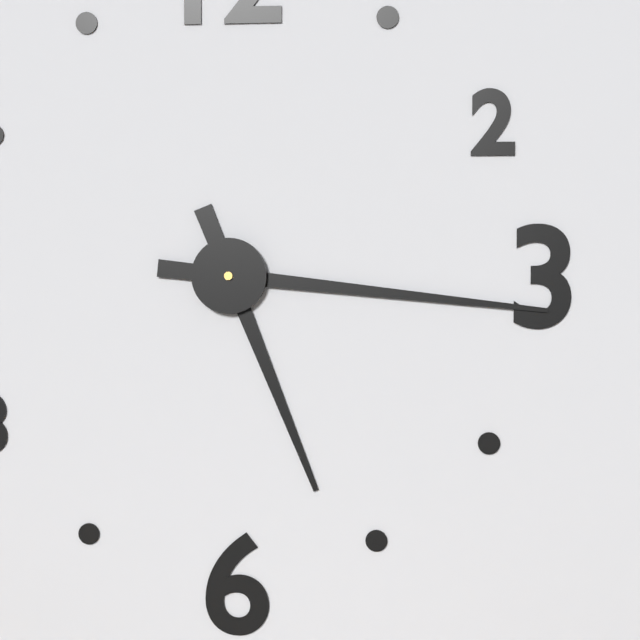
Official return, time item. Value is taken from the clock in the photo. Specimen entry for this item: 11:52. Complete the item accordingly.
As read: 5:16
